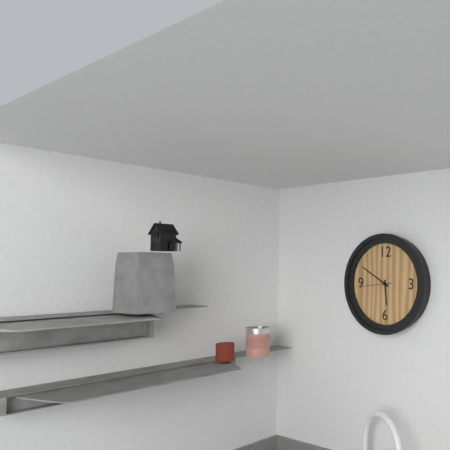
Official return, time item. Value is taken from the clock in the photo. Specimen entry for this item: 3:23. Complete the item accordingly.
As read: 5:50
